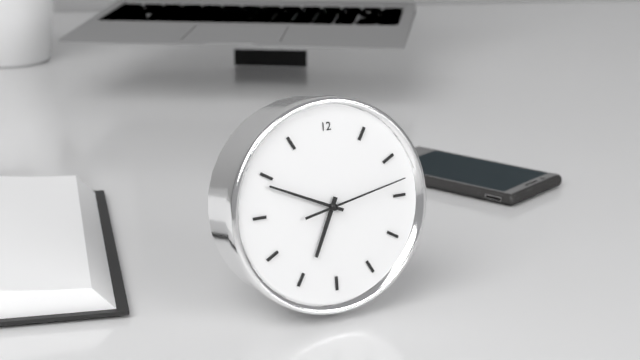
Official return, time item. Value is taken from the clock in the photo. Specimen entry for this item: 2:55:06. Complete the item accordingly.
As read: 6:49:13
